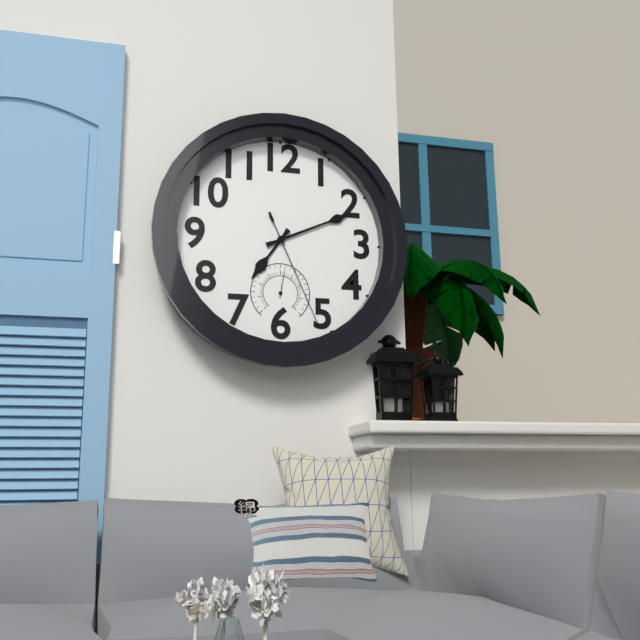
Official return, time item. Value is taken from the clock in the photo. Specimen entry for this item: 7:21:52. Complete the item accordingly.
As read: 7:11:26
